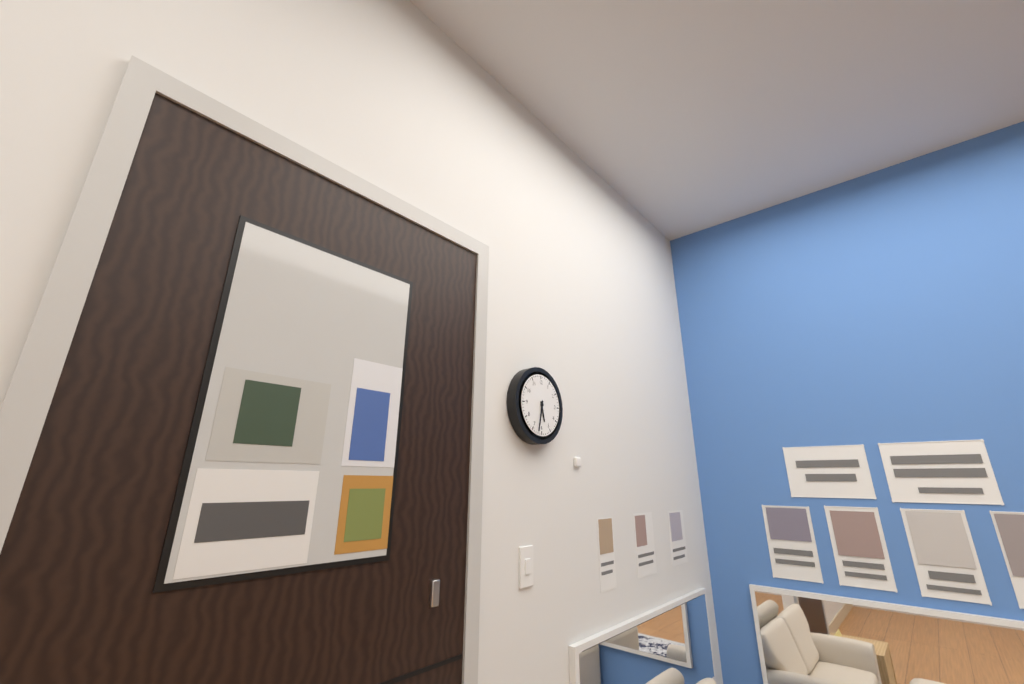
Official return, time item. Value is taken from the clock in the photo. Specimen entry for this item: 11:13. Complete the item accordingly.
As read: 5:32
